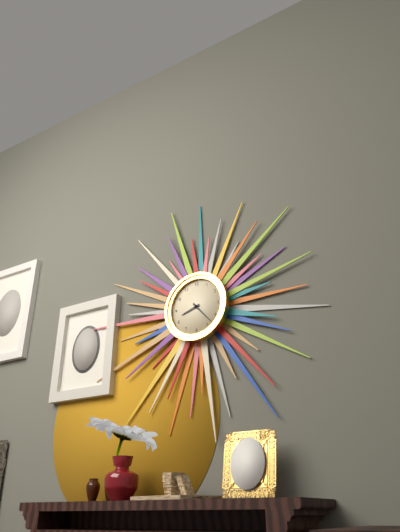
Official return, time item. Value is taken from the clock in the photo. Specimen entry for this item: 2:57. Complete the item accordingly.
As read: 8:23
